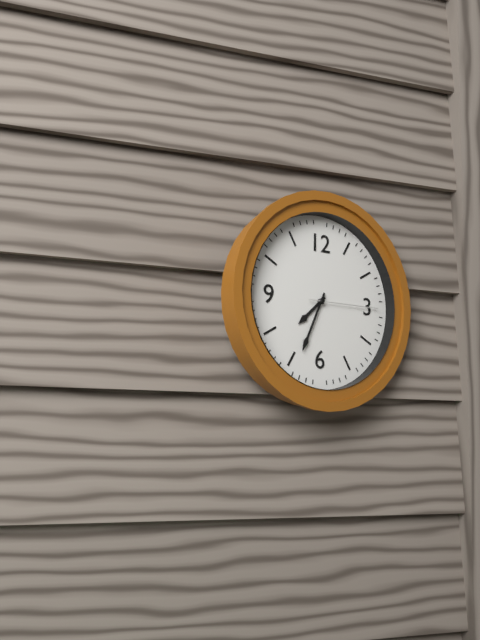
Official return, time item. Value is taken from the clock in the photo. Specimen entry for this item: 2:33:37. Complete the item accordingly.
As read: 7:34:15
